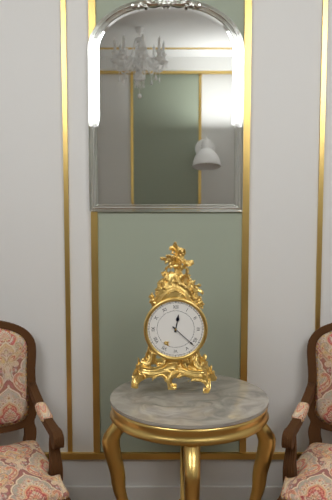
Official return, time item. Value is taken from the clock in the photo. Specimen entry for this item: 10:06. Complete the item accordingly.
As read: 12:22
